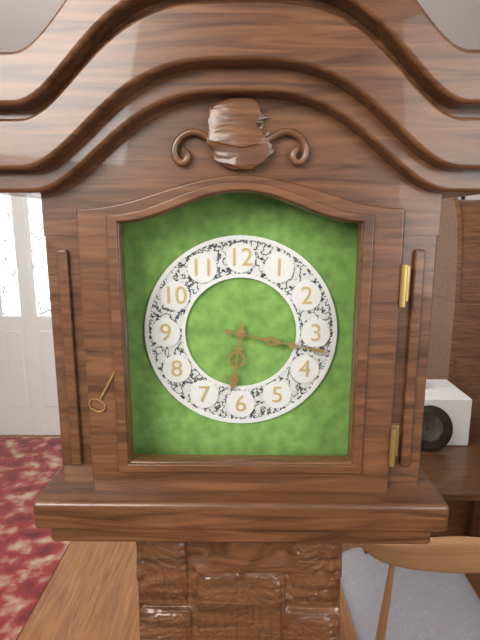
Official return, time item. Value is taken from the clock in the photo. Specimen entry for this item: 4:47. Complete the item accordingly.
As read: 6:17
